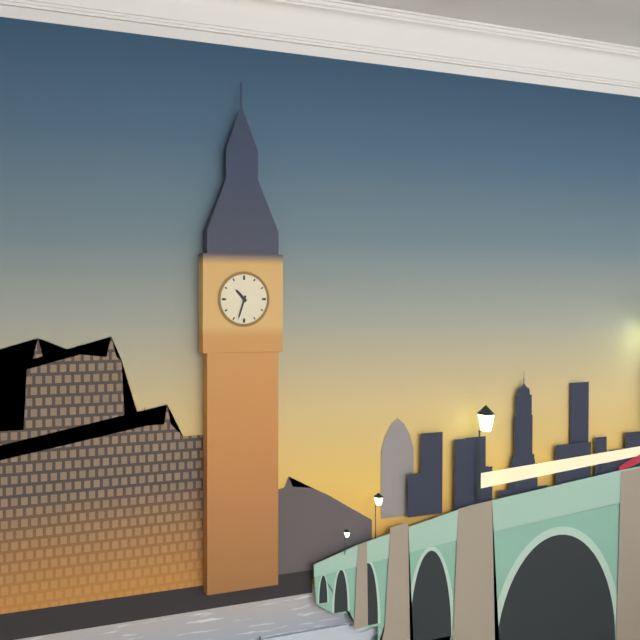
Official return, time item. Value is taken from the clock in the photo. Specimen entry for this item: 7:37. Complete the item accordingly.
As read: 10:33
